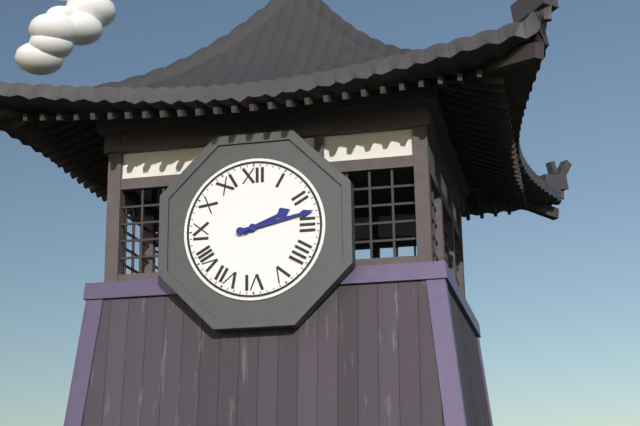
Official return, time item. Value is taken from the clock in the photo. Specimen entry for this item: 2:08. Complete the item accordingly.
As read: 2:13
